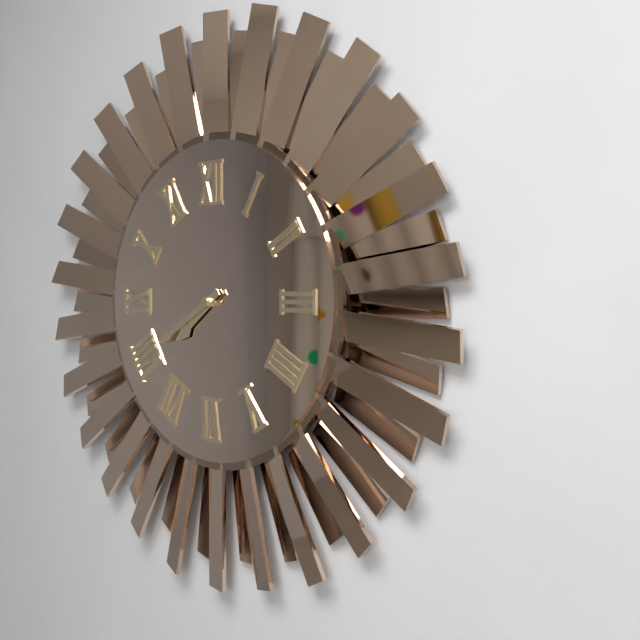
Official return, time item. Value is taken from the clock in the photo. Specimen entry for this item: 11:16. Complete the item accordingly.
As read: 7:40
